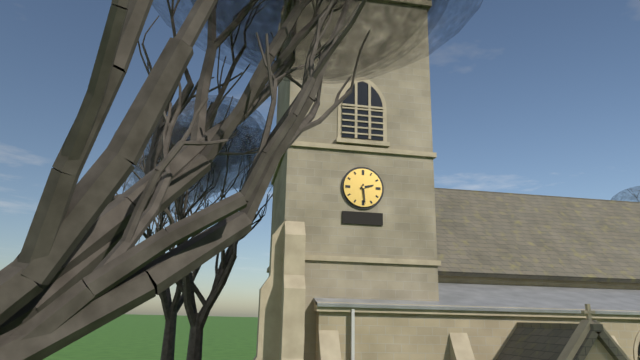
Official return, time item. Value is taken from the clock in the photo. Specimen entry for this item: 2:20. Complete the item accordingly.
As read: 2:29
